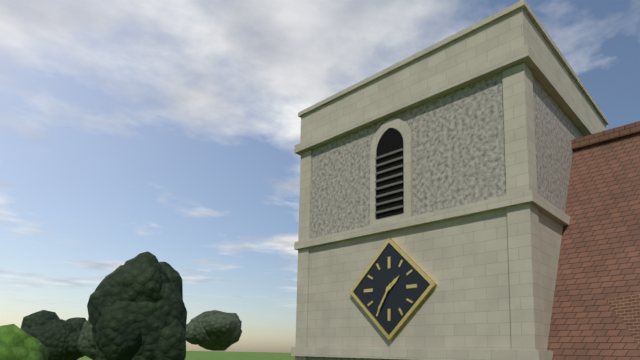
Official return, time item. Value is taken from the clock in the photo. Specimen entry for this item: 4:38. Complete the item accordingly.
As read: 1:35
